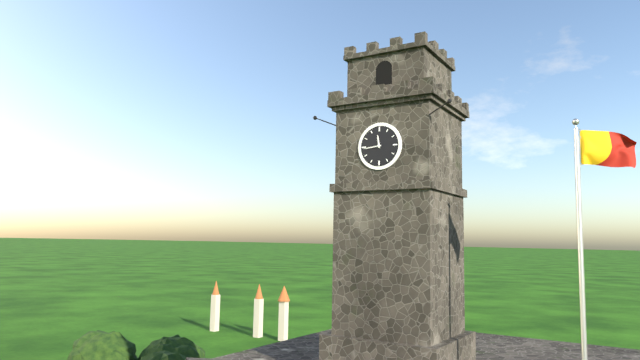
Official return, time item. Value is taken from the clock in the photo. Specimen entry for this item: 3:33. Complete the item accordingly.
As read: 11:44
